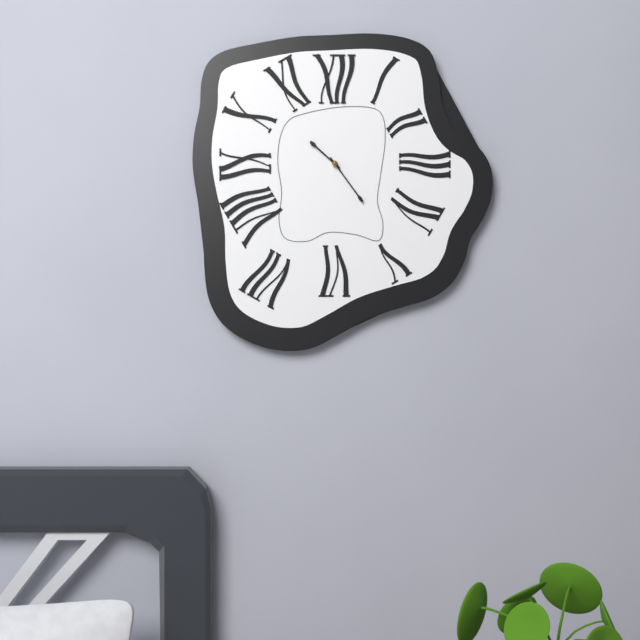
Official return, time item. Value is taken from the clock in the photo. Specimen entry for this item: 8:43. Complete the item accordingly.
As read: 10:24
